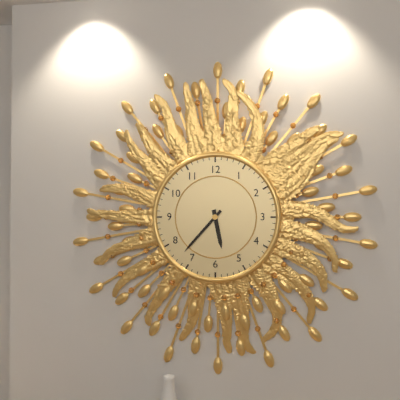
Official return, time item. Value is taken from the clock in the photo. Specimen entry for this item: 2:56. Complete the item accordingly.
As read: 5:37
